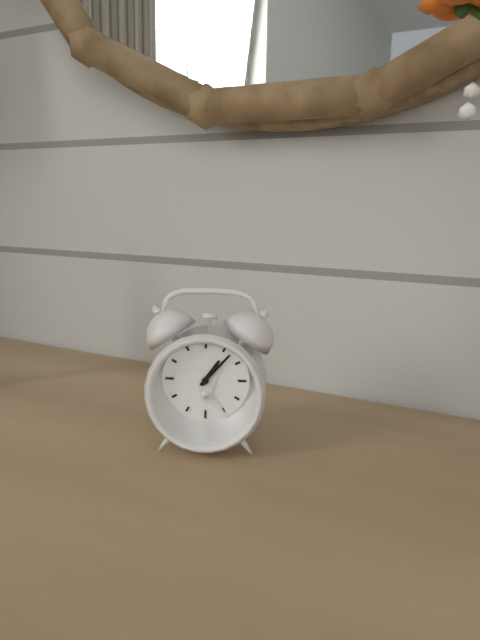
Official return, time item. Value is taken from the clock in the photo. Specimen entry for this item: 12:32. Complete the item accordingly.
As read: 1:07
